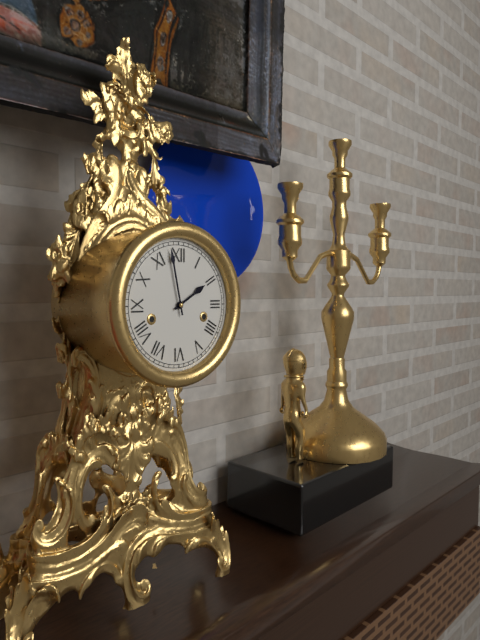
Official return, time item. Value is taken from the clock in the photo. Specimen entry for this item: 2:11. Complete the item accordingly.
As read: 1:58
